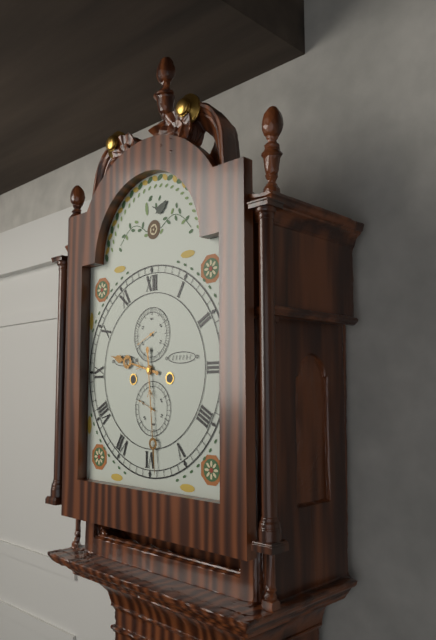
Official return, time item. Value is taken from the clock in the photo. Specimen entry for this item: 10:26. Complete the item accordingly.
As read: 9:29
